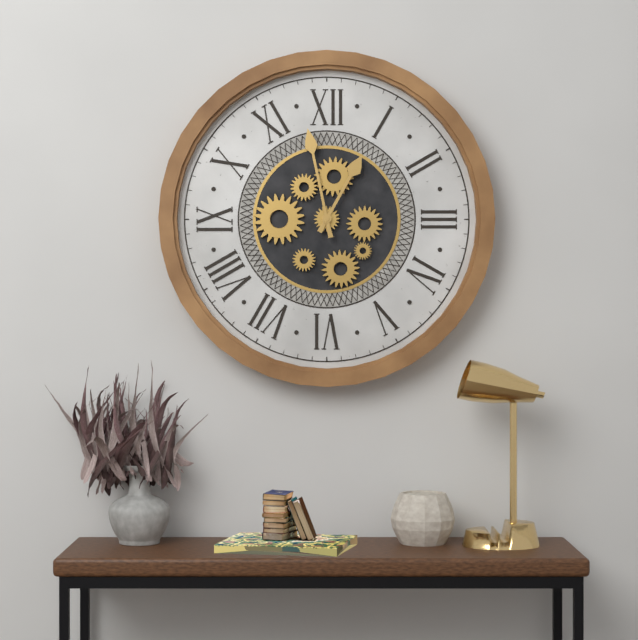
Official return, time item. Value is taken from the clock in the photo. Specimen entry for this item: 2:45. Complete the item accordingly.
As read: 12:58
